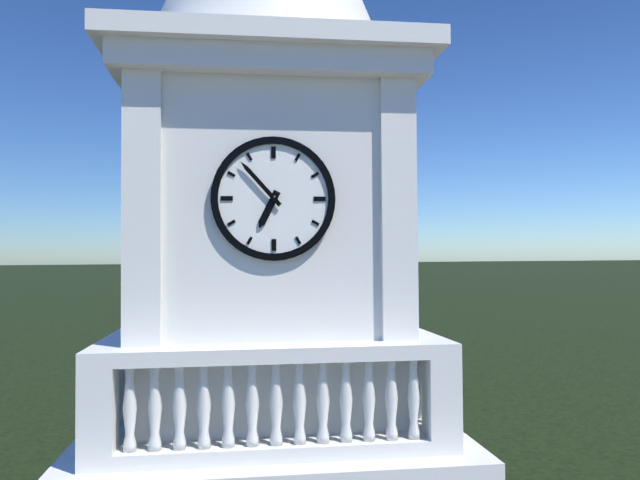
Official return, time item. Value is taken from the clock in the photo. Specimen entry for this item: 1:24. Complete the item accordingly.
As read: 6:53
